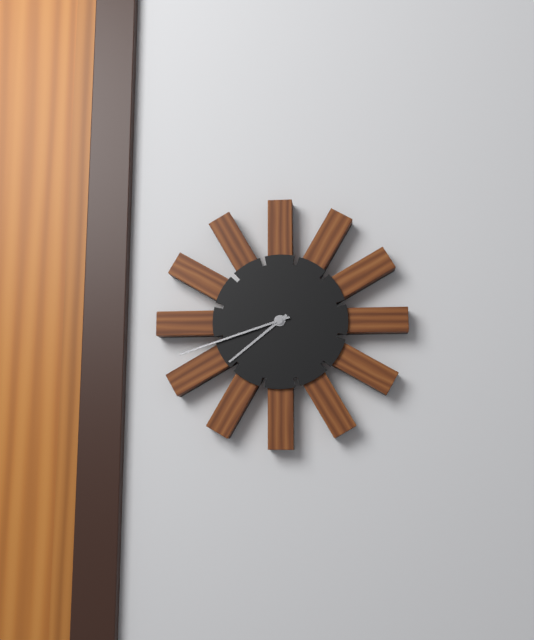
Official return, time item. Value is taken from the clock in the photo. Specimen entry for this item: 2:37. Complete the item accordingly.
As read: 7:42
